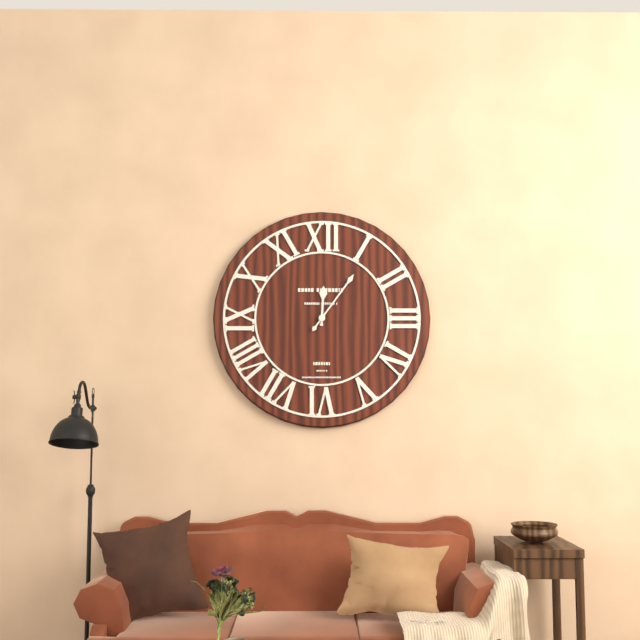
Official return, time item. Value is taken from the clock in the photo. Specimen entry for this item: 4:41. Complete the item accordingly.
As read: 12:06
